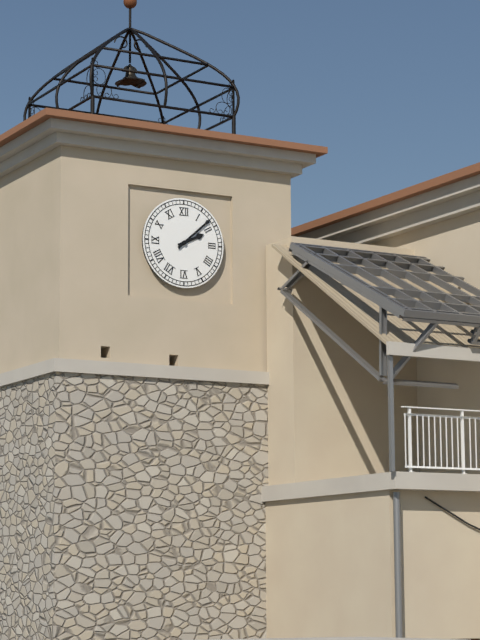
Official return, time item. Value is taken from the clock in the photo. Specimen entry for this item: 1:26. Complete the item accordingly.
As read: 2:08
